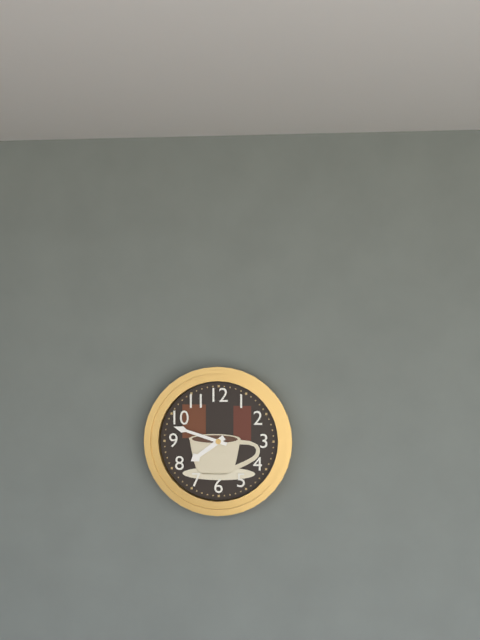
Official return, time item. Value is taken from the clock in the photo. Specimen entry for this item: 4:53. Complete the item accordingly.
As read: 7:48
